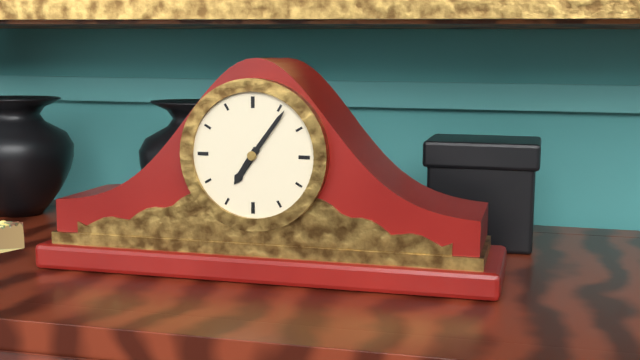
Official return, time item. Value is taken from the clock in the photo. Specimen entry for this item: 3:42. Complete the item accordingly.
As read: 7:06
